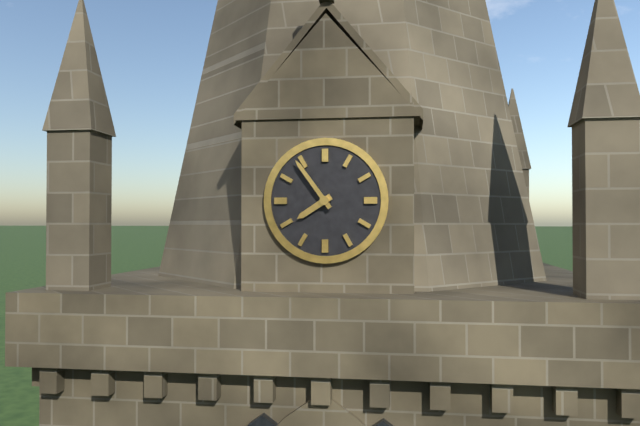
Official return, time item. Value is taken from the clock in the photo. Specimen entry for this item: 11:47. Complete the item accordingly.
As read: 7:54
